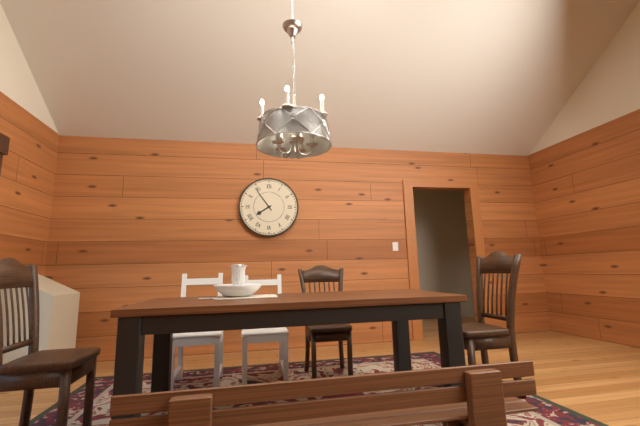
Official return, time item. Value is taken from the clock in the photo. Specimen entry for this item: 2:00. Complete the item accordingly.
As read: 7:54
